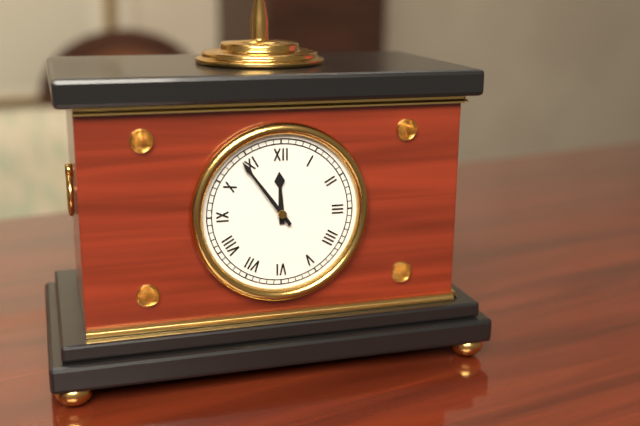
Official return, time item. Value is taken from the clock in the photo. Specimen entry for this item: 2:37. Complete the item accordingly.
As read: 11:54
